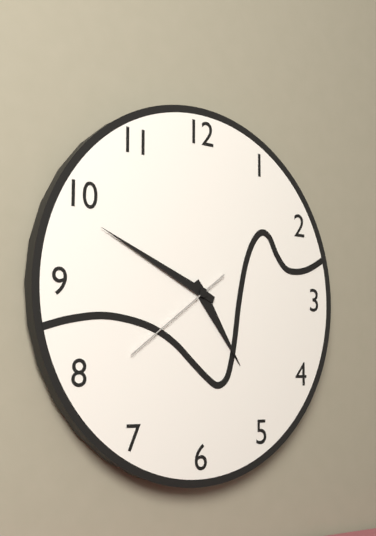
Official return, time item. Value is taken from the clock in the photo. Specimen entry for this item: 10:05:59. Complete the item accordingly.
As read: 4:49:39
